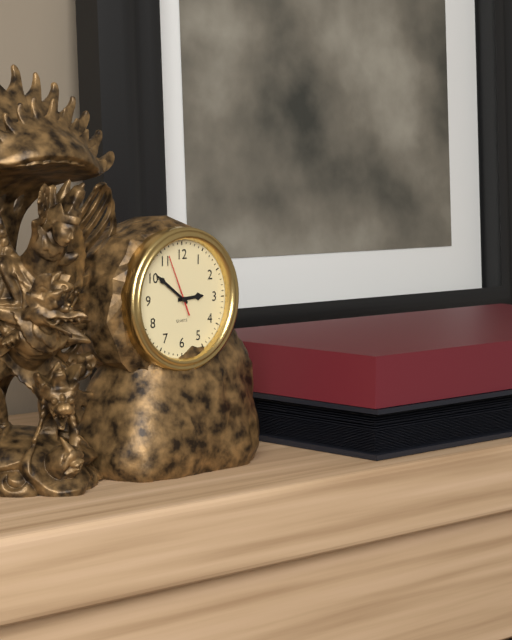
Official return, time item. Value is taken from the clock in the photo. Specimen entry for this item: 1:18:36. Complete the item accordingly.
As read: 2:51:56
